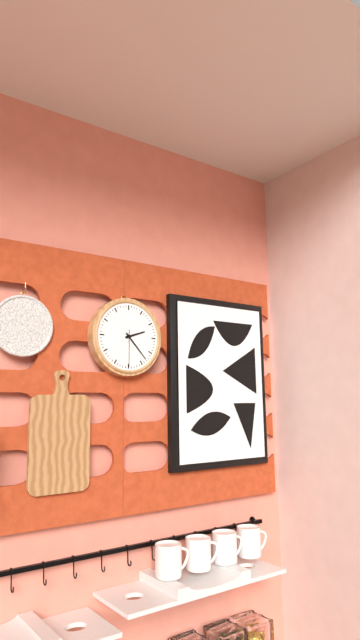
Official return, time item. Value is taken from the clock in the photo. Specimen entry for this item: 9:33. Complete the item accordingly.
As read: 2:23
